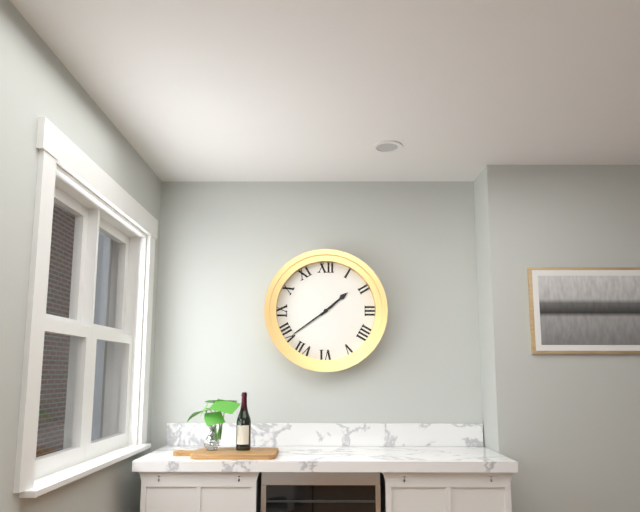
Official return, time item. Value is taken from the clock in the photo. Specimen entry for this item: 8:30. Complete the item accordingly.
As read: 1:39
